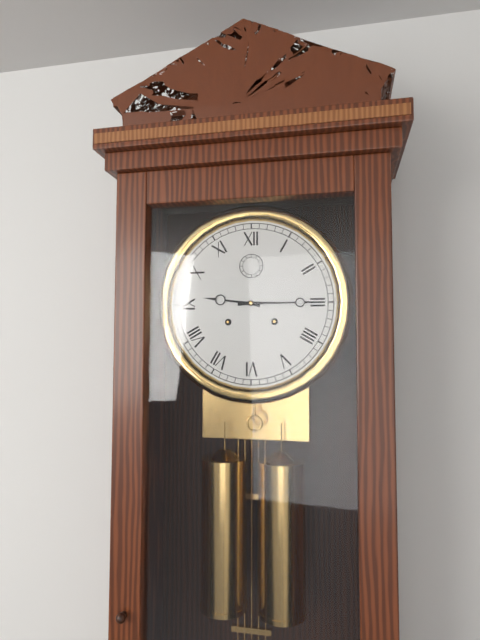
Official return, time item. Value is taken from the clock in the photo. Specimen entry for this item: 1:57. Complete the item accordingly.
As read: 9:15
